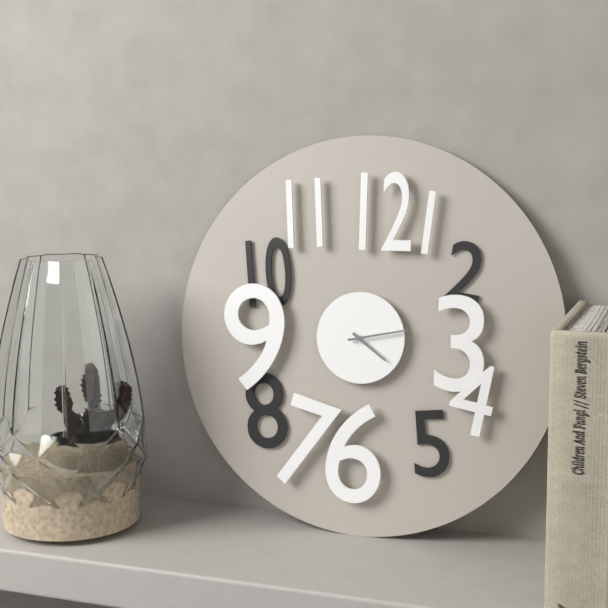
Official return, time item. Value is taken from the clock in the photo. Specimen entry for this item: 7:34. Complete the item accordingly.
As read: 4:13
